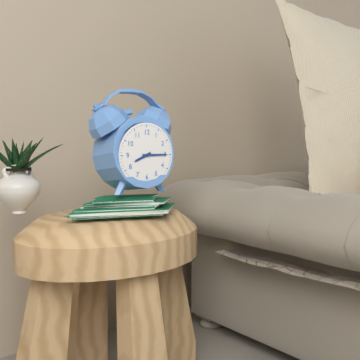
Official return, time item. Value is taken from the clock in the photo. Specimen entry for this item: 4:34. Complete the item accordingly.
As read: 8:15
